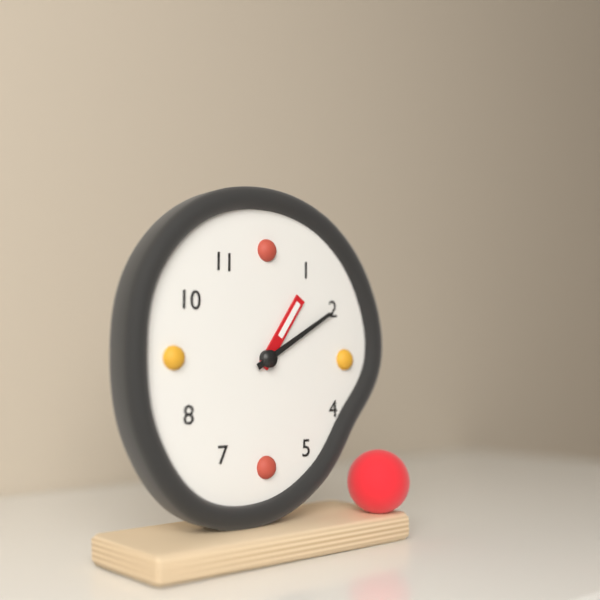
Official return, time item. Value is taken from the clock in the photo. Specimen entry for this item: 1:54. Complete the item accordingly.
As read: 1:10
